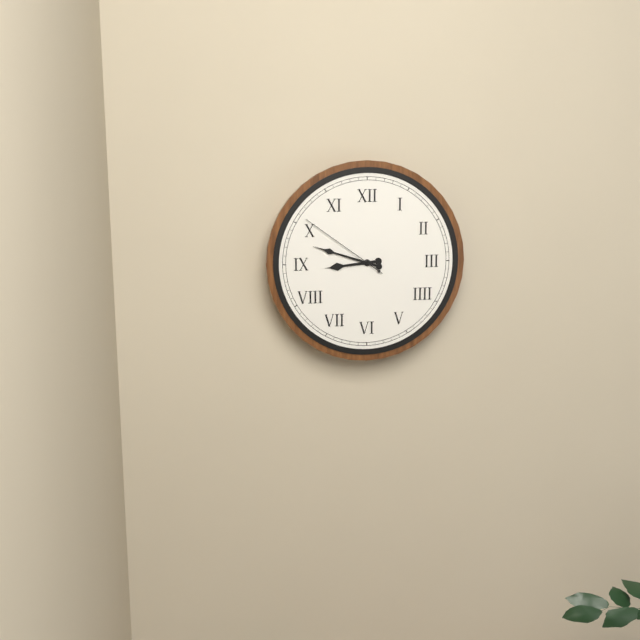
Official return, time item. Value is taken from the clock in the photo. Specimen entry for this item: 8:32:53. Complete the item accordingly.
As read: 8:48:51
